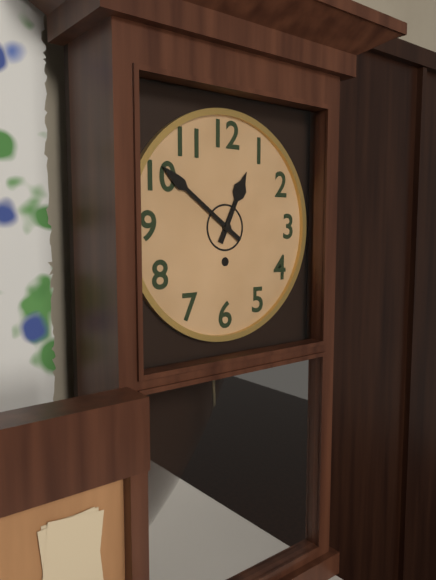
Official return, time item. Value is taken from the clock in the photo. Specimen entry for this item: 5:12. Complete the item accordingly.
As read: 12:51
